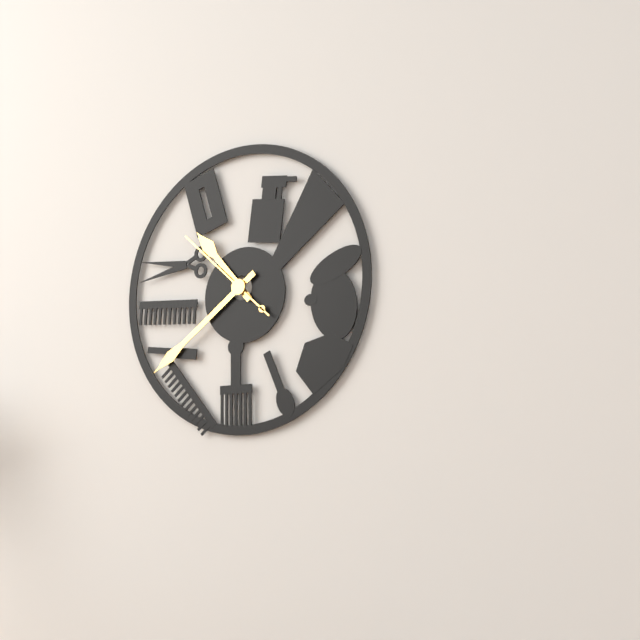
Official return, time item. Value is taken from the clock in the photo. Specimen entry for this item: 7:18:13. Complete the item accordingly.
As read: 10:39:52
